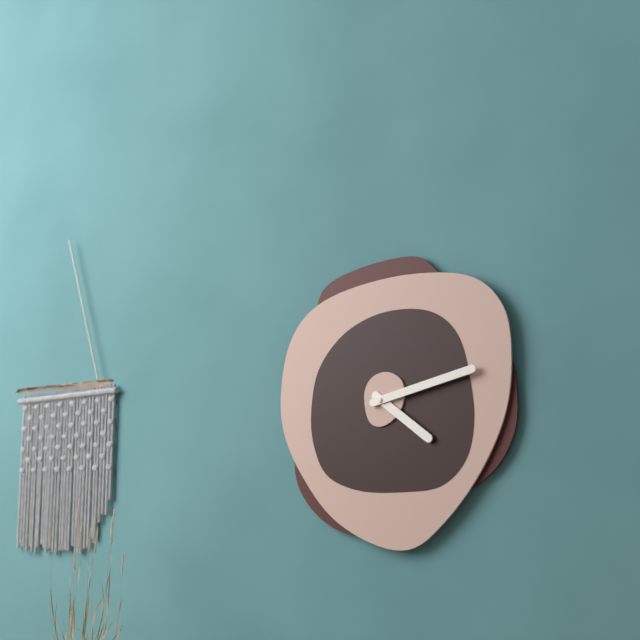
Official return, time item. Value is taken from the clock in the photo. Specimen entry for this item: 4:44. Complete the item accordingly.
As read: 4:13
